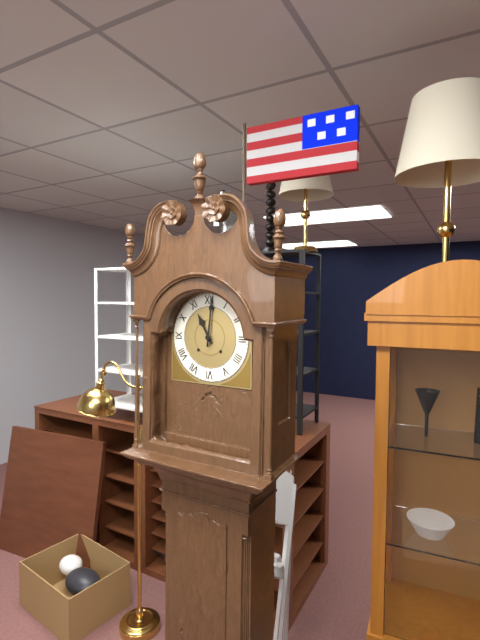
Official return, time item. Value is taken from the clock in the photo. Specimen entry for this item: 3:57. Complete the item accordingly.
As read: 11:01
